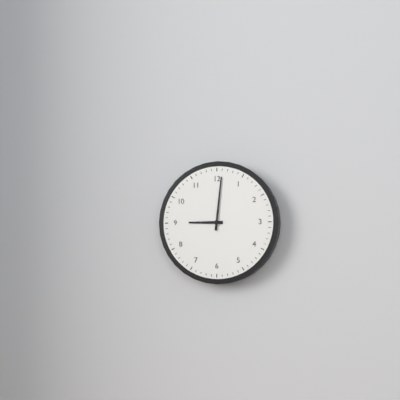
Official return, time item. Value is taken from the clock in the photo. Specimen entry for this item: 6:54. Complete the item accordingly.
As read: 9:01
